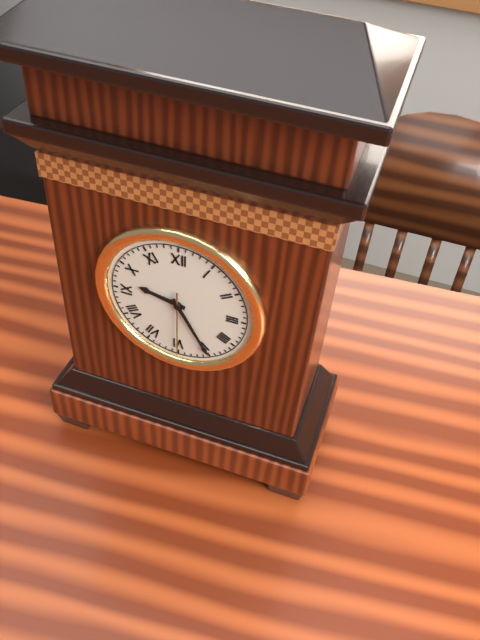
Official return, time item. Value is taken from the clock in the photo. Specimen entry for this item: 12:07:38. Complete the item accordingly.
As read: 9:25:30
